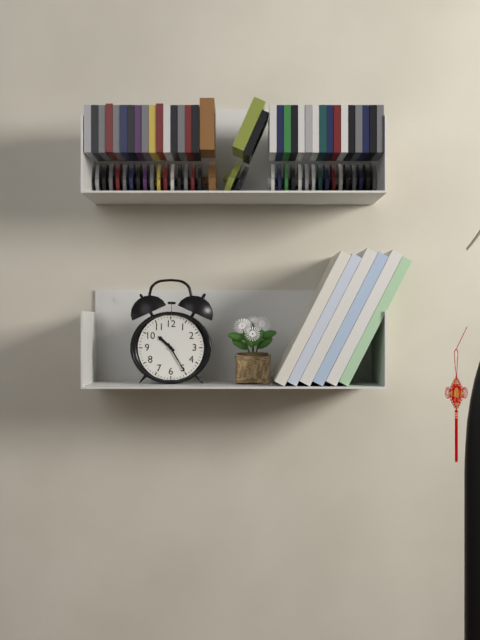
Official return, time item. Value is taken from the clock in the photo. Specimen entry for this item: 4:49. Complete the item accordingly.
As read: 10:25
